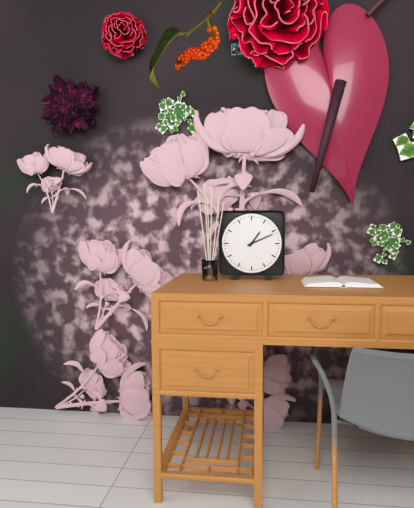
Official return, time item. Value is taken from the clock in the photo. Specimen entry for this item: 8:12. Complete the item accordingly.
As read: 1:11
